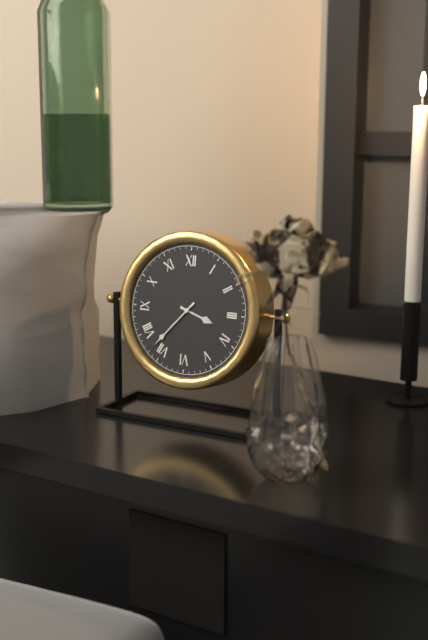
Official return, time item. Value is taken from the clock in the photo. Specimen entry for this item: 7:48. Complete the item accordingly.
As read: 3:37
